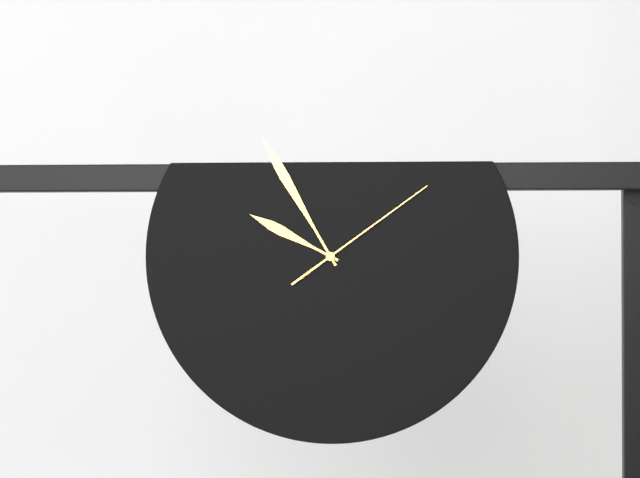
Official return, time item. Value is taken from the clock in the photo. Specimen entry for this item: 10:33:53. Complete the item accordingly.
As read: 9:55:09
